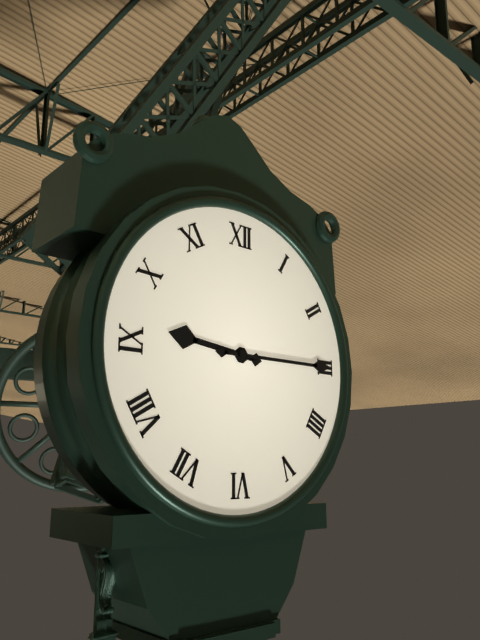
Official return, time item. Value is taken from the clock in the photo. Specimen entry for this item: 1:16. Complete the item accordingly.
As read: 9:15
